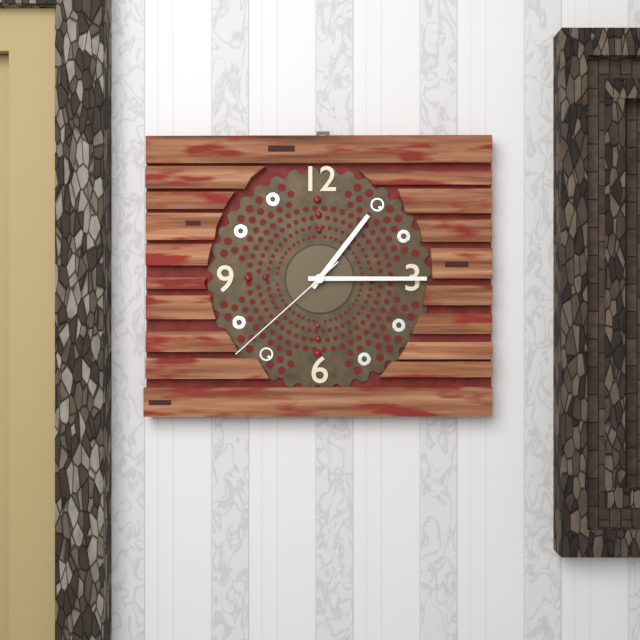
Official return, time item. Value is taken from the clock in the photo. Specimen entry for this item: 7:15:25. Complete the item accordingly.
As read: 1:15:38
